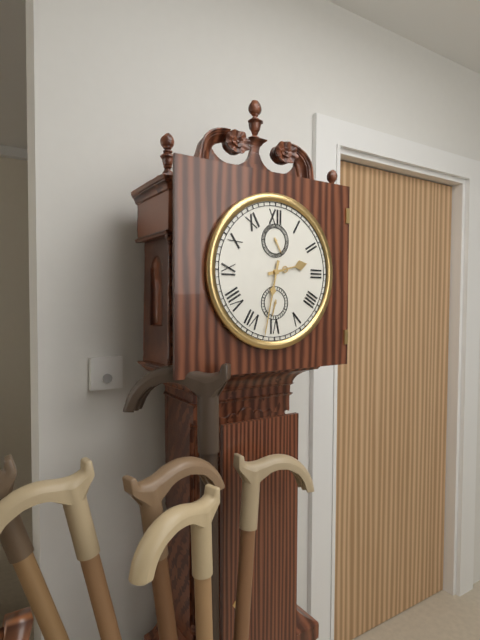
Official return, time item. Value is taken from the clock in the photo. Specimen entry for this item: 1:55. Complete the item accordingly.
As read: 2:32
